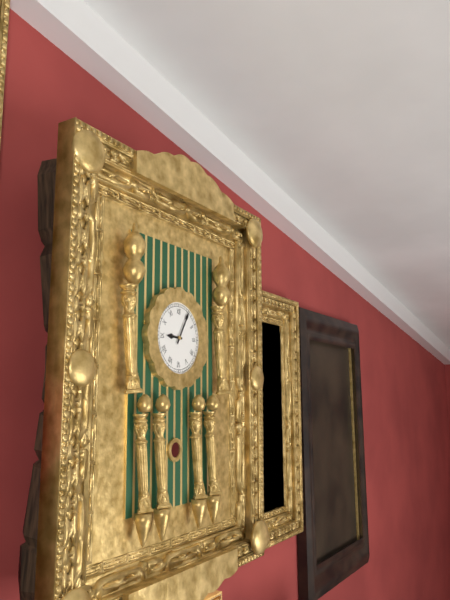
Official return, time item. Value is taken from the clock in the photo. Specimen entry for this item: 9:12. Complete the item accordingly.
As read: 9:05
